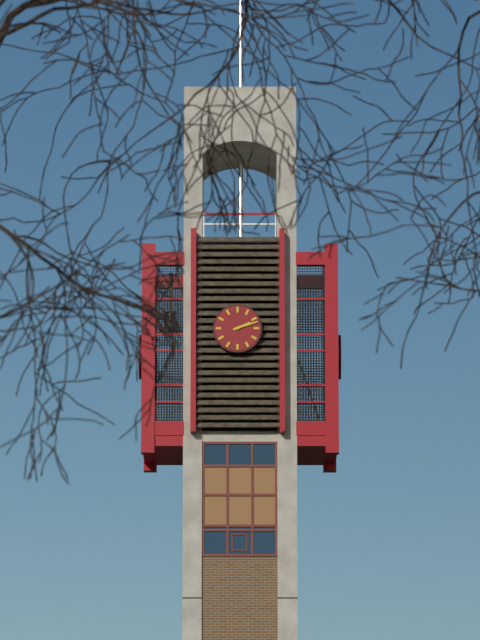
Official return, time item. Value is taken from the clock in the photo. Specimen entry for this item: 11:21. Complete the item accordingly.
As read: 2:12
